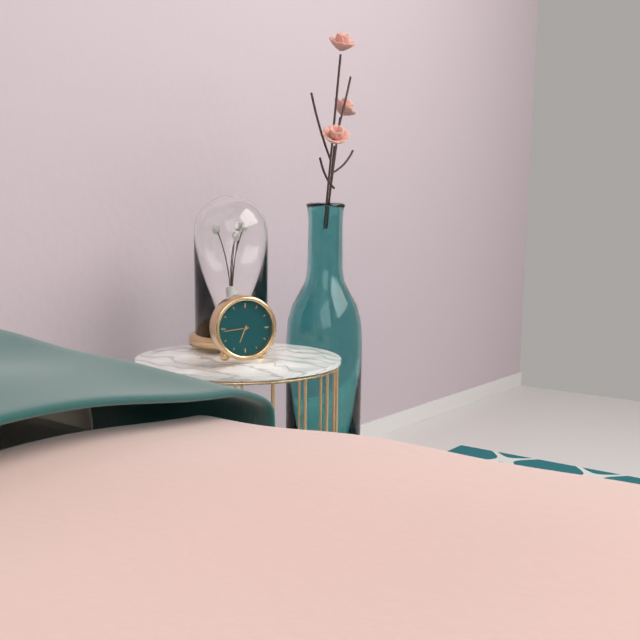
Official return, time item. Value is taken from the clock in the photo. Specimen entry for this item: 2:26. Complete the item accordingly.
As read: 6:44
